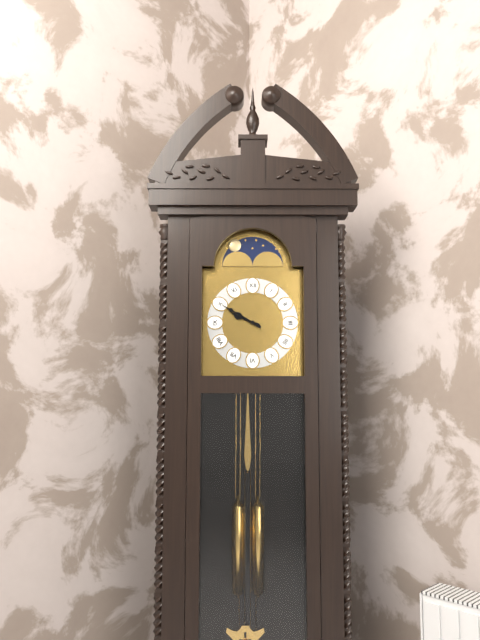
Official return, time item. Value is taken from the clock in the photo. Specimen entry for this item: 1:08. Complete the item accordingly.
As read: 9:50
